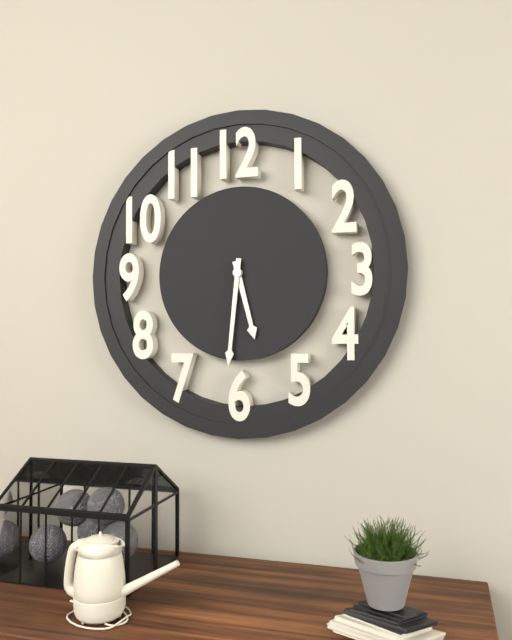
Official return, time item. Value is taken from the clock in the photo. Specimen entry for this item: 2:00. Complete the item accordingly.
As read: 5:31
